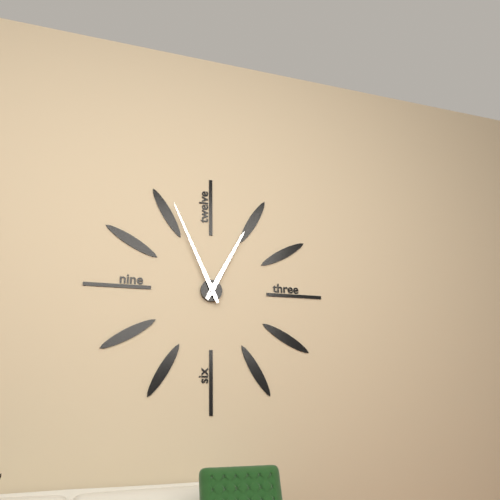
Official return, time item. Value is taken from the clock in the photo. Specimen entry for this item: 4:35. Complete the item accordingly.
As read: 12:56
